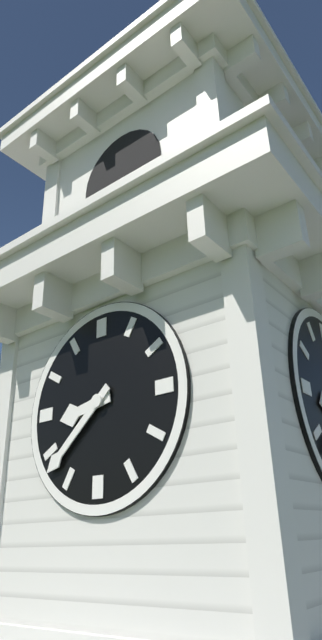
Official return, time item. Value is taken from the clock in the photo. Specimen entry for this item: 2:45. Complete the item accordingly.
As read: 8:38
